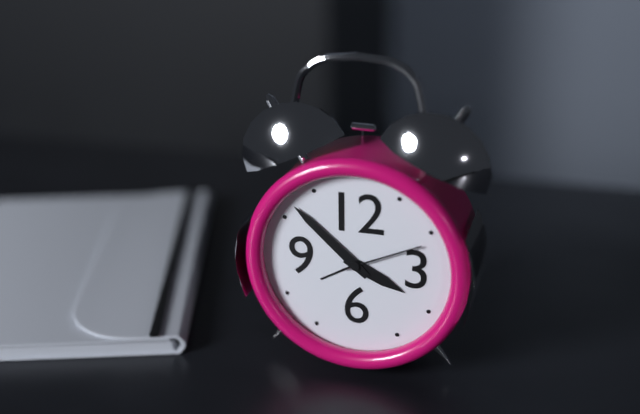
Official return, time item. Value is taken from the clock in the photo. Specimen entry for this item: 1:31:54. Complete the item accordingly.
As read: 3:52:11
